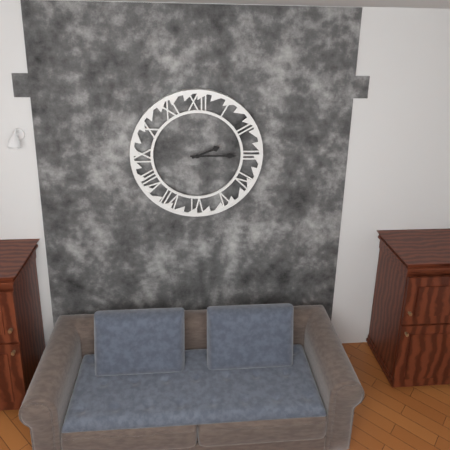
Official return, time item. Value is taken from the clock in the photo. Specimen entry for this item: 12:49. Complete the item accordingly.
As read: 2:15
